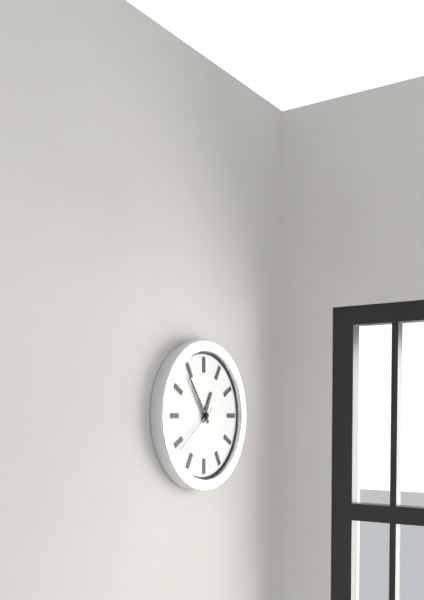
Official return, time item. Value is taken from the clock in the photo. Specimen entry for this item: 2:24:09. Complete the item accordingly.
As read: 12:54:39
